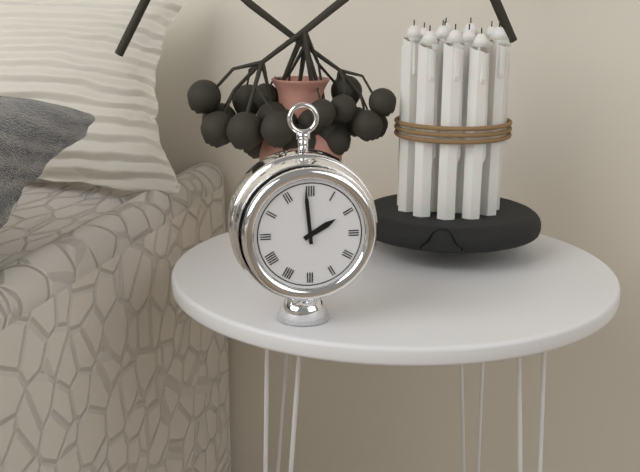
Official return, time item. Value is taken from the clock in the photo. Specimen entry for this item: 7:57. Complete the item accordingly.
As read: 1:59
